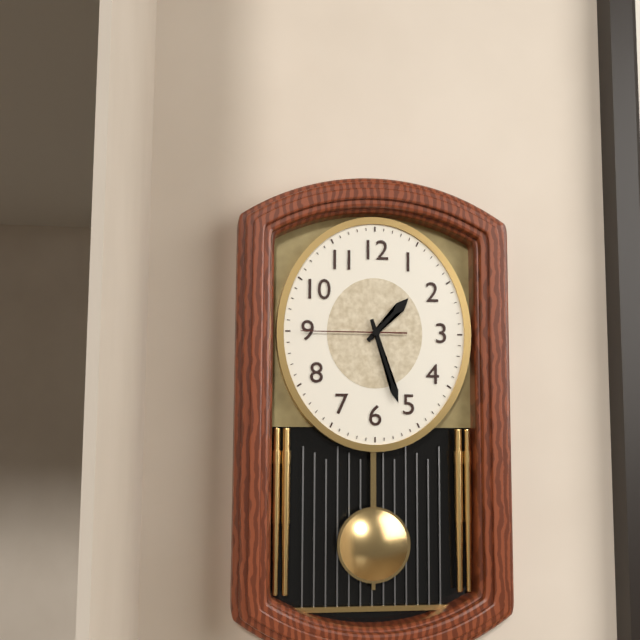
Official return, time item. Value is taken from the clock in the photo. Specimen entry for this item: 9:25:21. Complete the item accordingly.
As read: 1:27:45
